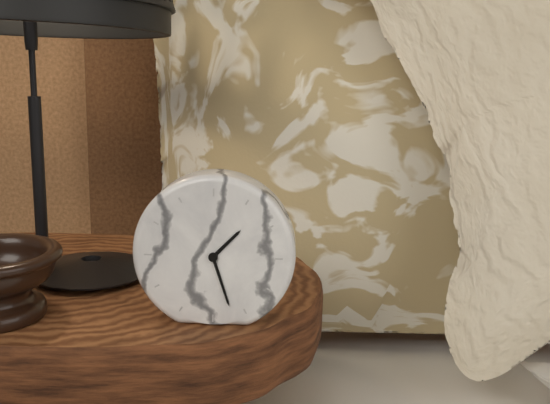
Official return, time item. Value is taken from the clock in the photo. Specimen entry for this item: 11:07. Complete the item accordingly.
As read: 1:27
